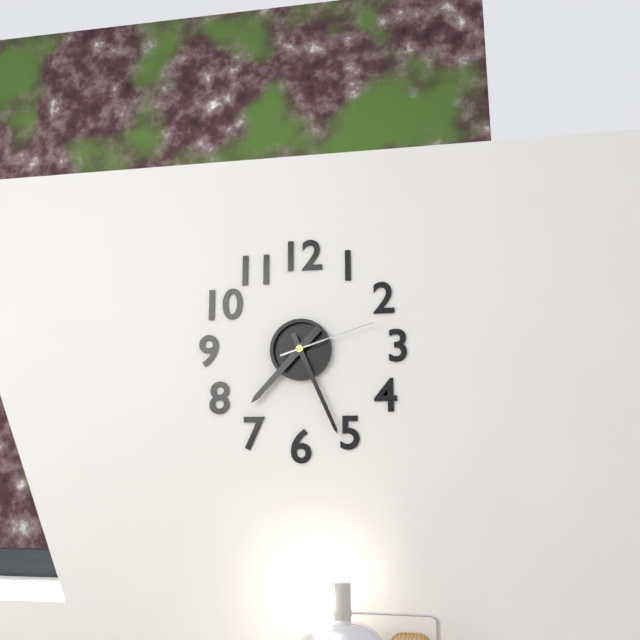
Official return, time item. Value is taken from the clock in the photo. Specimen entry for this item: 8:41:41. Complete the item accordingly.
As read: 7:26:12
